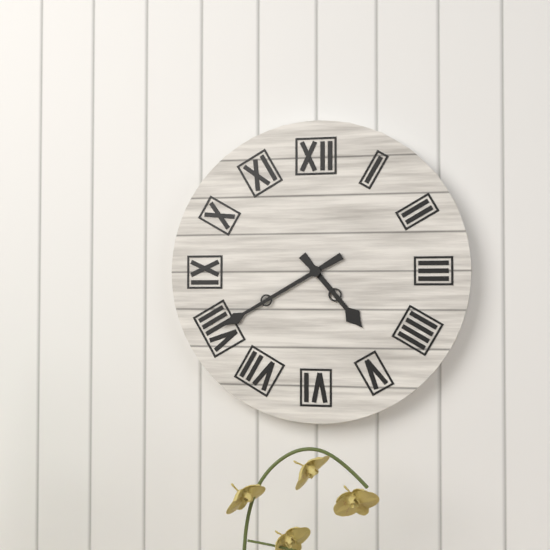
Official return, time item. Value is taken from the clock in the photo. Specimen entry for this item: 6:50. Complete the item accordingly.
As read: 4:40
